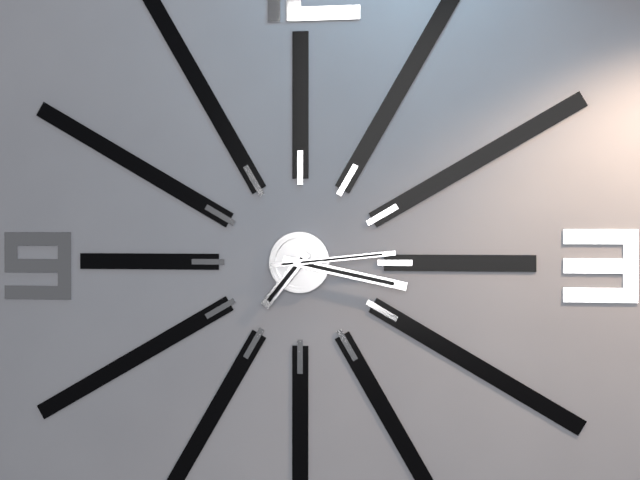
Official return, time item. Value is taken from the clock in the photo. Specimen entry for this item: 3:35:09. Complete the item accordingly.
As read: 7:17:14
